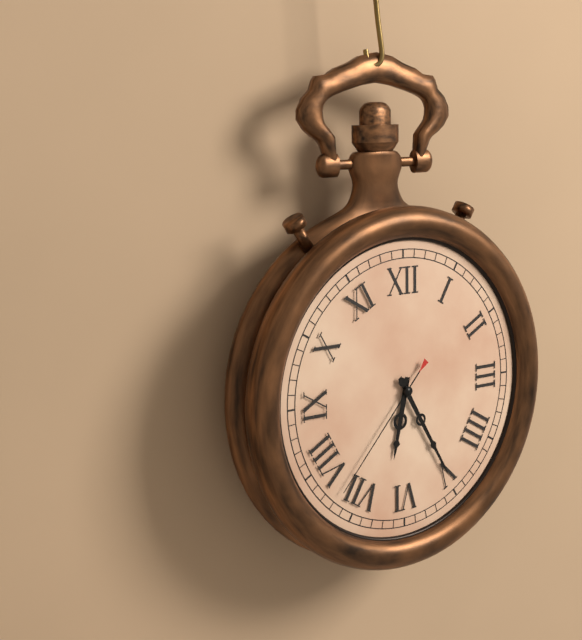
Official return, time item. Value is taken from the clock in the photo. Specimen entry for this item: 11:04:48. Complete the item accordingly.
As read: 6:25:37
